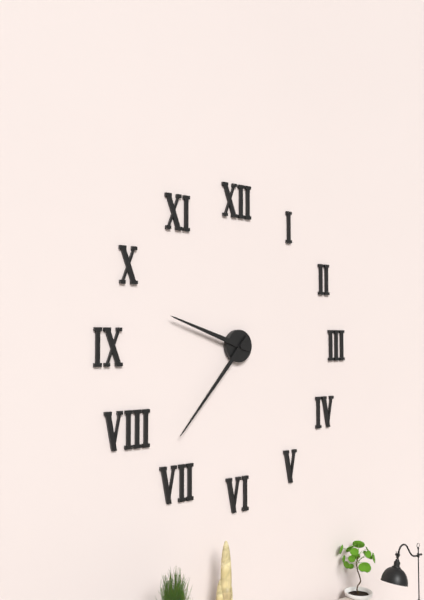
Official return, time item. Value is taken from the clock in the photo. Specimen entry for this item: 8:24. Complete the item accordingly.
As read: 9:37
